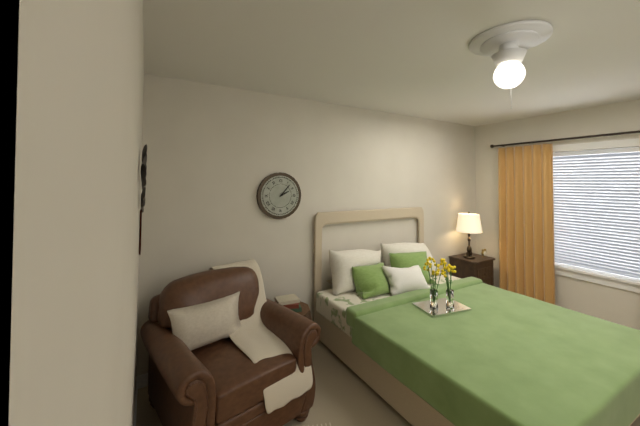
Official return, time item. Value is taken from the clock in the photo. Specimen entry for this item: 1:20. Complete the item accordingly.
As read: 2:07
